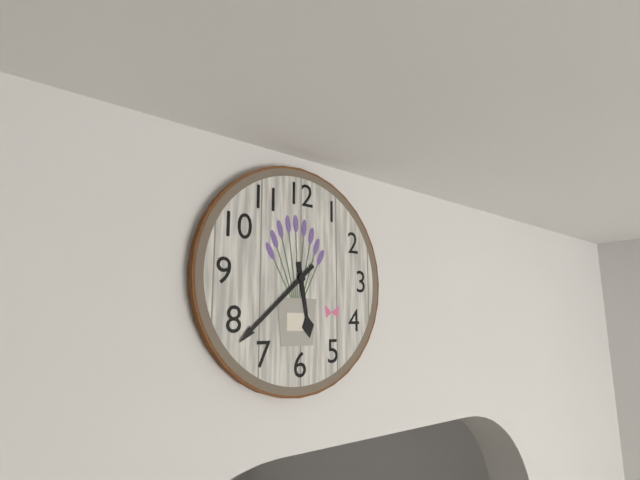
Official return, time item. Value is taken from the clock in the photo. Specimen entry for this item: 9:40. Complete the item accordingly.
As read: 5:38
